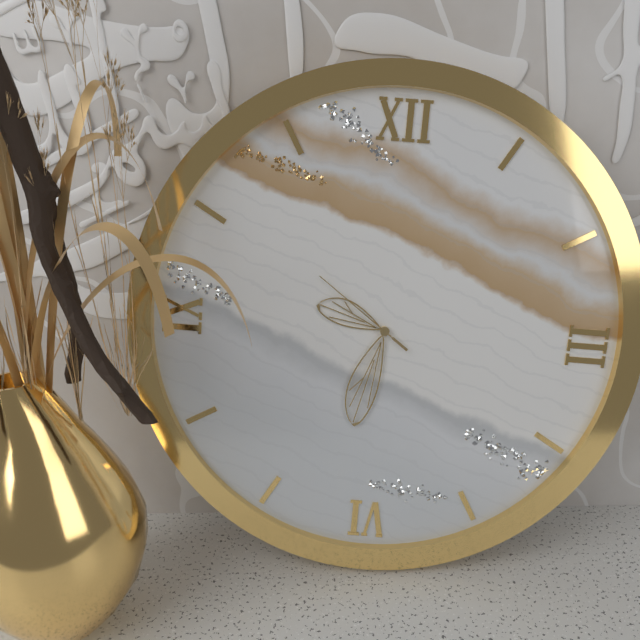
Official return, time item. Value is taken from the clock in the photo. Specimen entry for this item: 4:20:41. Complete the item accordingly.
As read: 9:32:51
